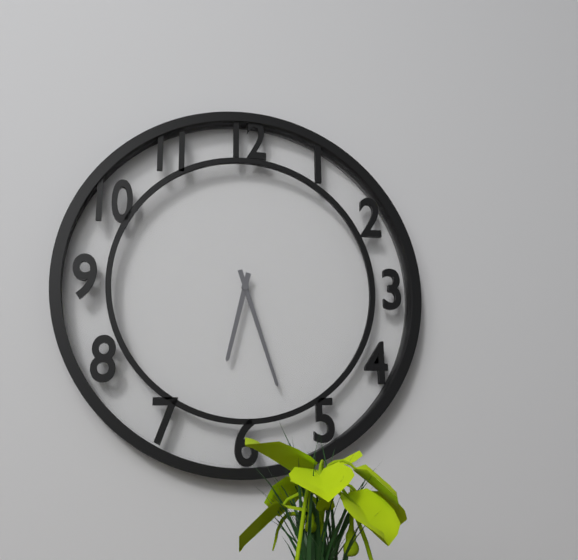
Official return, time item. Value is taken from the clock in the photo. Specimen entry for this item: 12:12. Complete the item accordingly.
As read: 6:27
